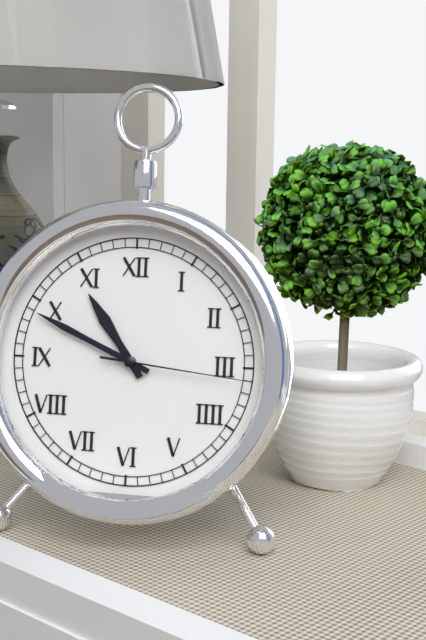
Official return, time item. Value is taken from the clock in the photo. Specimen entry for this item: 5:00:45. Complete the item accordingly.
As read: 10:49:16
